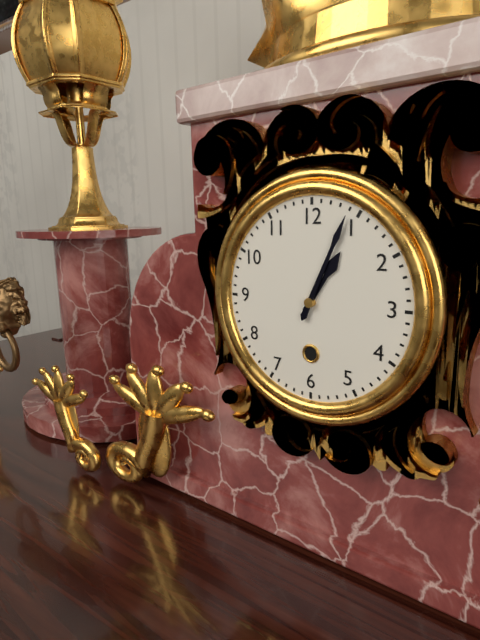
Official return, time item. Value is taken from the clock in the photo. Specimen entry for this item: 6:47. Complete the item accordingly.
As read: 1:04
